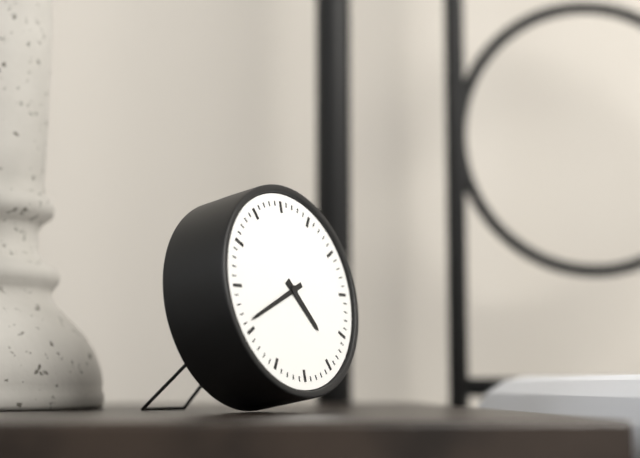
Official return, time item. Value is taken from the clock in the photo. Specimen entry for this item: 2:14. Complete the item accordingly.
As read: 4:41
